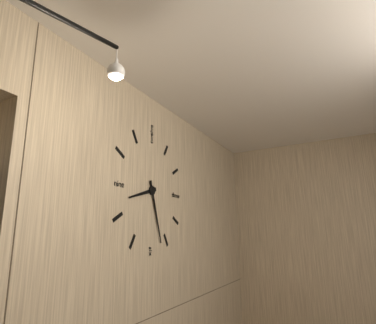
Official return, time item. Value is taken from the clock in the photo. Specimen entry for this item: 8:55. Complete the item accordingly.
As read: 8:27
